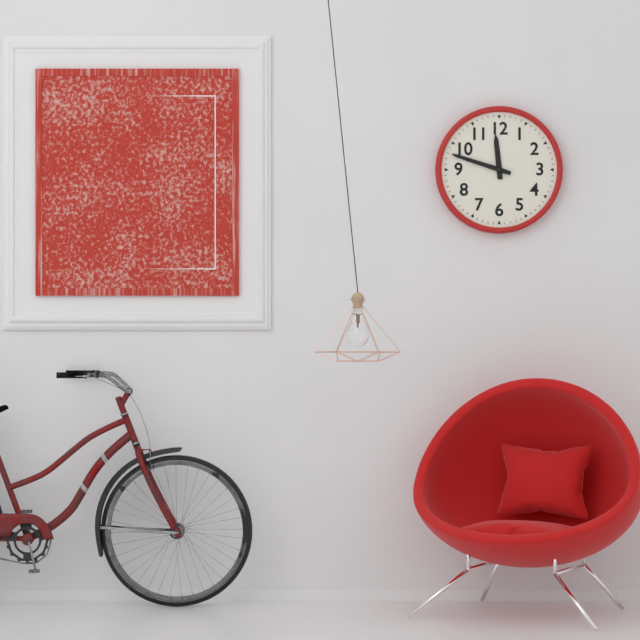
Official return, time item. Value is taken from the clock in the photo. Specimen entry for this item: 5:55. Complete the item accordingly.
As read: 11:48
